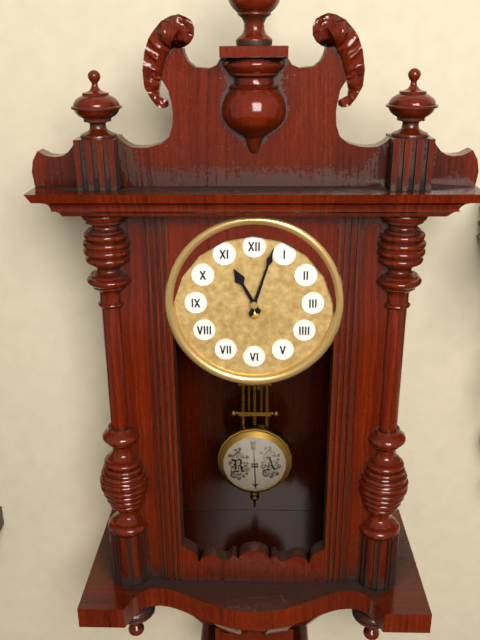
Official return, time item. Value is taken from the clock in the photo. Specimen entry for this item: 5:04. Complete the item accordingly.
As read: 11:03
